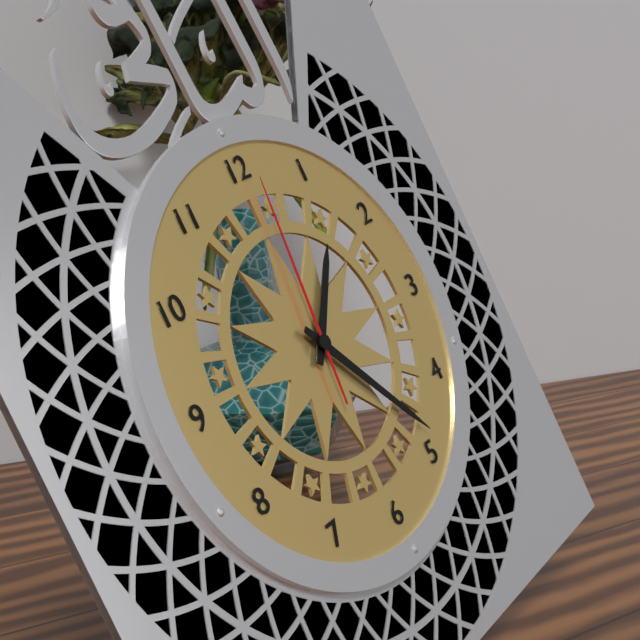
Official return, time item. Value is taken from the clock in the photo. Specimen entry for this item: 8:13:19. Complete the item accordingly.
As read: 1:24:01
